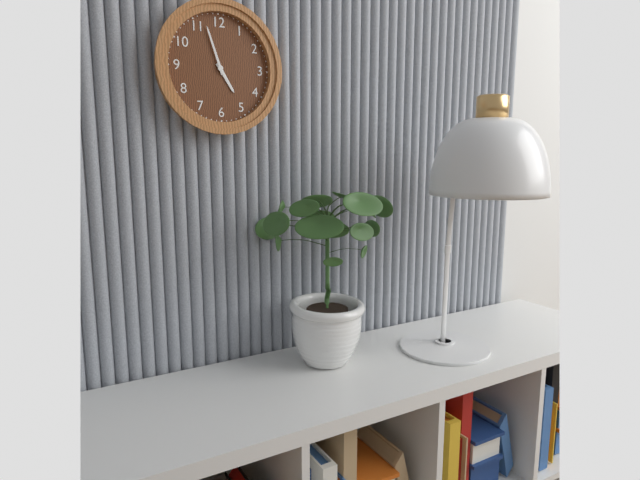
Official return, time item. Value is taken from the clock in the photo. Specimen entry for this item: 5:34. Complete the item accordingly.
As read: 4:57
